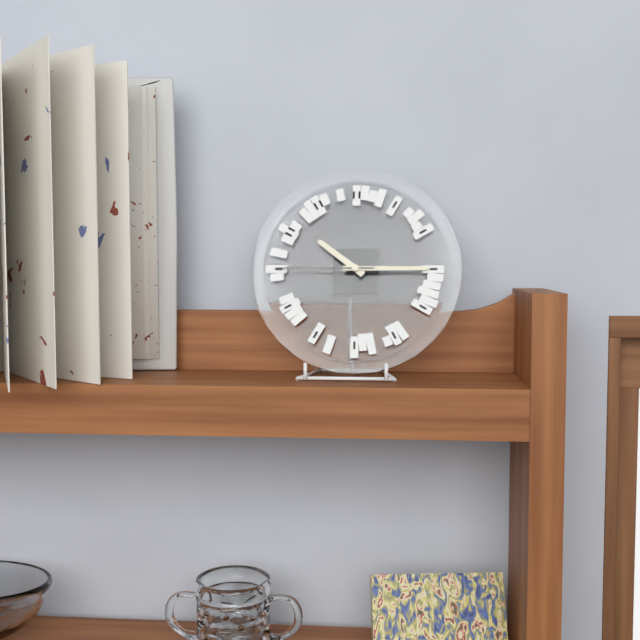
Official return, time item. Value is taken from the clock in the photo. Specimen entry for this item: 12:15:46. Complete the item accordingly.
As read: 10:15:45
